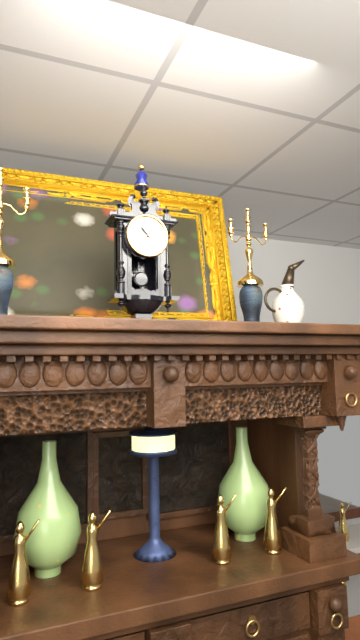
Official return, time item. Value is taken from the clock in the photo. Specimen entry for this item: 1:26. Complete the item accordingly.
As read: 10:36
